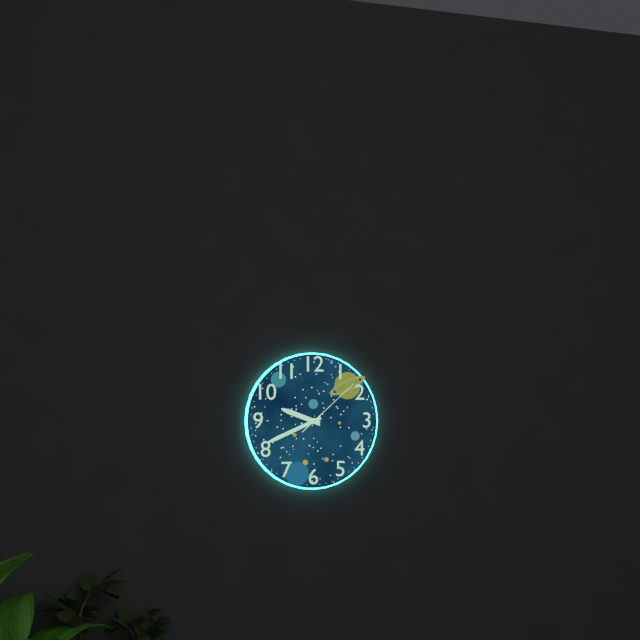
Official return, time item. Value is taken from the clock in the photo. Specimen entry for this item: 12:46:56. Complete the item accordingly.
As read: 9:41:08
